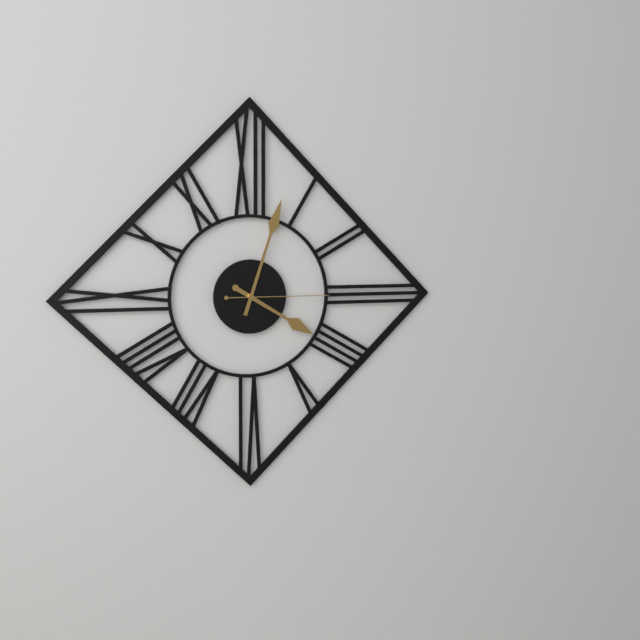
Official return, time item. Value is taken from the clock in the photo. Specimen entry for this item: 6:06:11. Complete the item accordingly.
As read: 4:03:15
